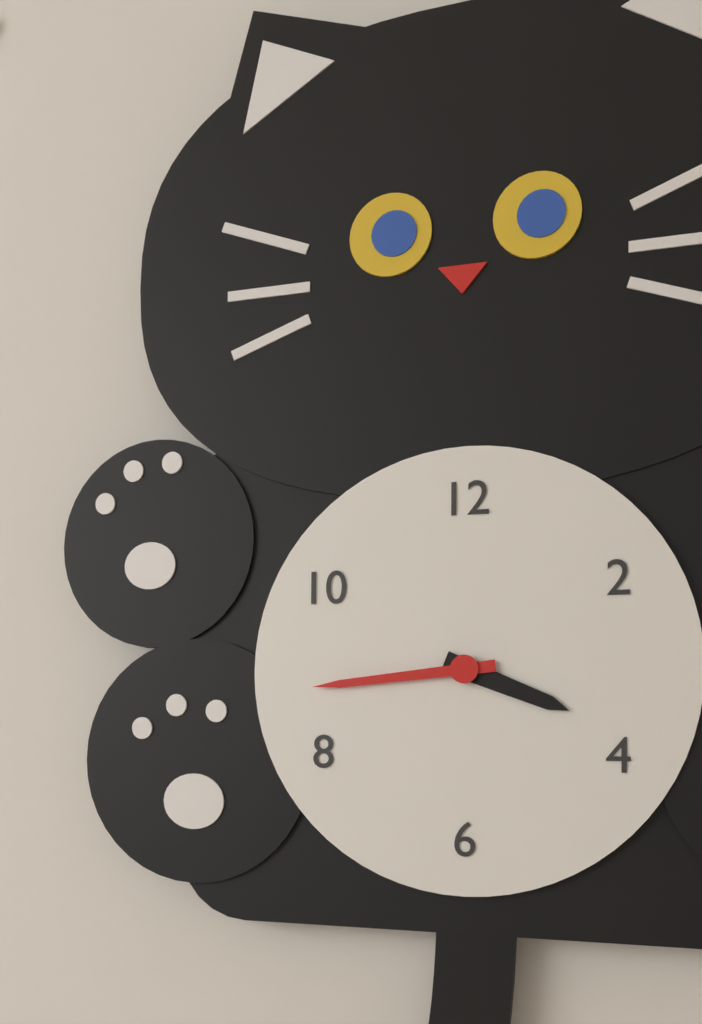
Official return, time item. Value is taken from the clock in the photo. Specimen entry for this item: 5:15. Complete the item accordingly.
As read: 3:44
